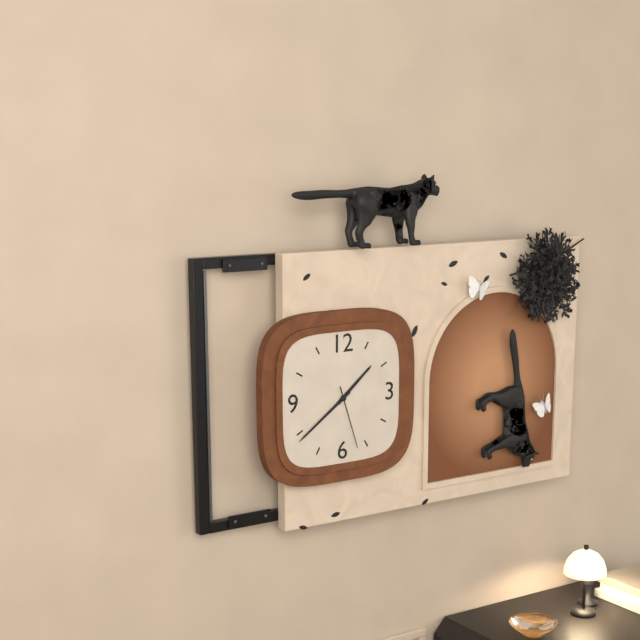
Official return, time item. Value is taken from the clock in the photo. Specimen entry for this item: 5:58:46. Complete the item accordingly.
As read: 1:39:27
